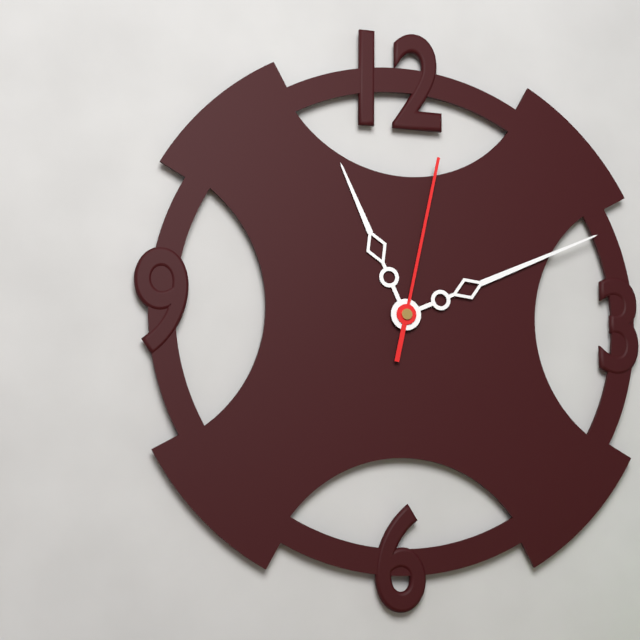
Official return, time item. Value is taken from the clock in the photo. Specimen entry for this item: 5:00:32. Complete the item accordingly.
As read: 11:11:02
